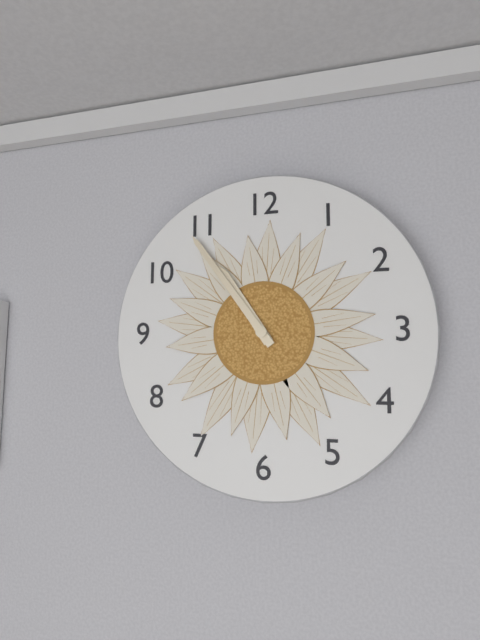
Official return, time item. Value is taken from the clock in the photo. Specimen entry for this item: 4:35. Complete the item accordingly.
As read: 10:54
